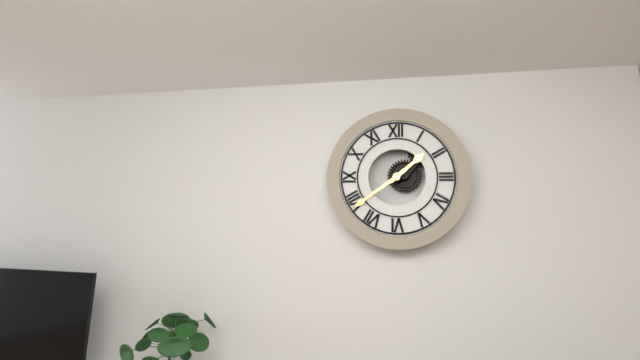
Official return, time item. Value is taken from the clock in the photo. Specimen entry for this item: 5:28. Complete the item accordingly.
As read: 1:39
